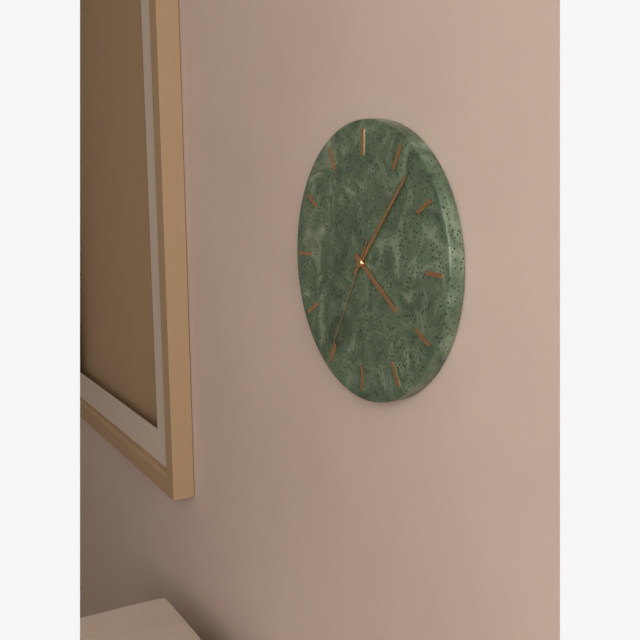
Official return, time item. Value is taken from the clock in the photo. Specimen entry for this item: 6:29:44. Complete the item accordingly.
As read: 4:07:35
